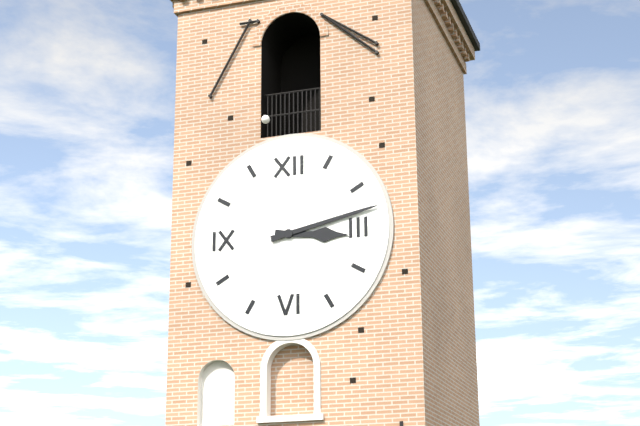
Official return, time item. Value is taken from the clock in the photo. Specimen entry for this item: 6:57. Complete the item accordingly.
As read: 3:13
